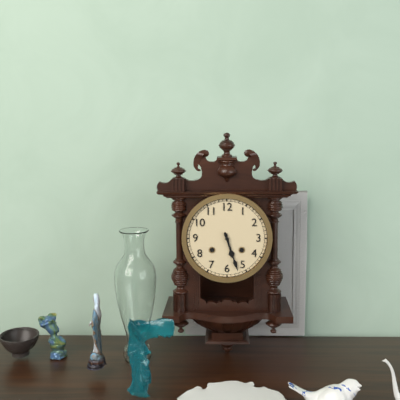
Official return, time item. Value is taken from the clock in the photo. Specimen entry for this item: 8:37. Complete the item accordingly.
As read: 5:27
